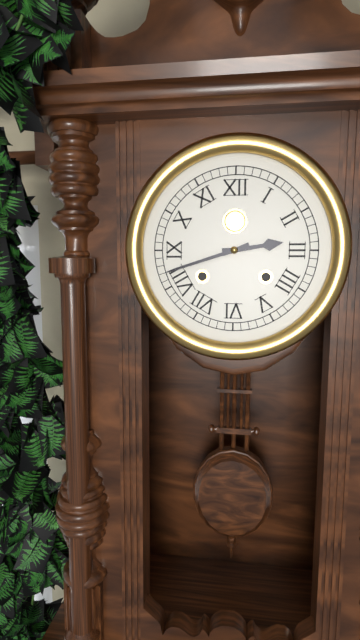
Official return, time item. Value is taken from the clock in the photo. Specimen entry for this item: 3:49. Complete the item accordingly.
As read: 2:42
